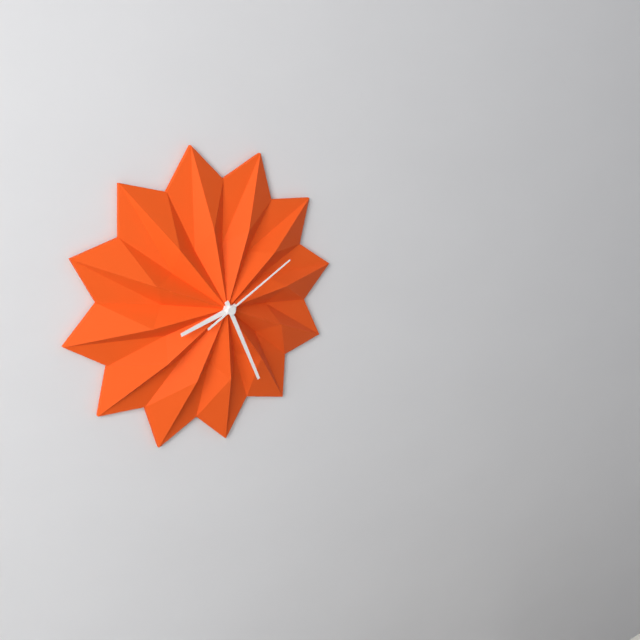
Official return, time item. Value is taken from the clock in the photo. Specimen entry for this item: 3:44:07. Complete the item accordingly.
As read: 8:26:10
